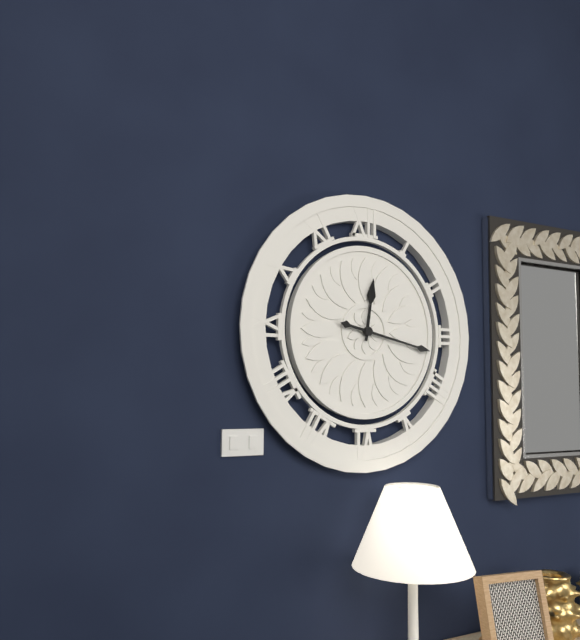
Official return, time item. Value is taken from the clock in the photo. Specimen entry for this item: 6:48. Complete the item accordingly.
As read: 12:17
